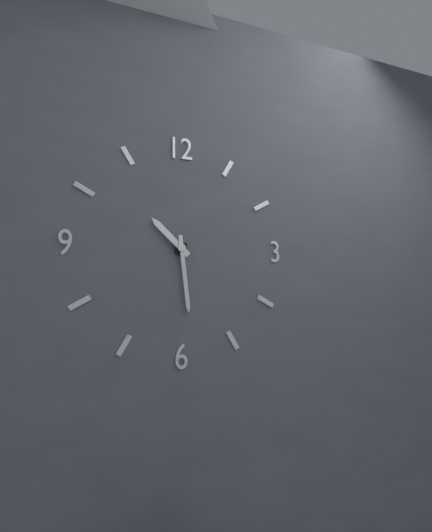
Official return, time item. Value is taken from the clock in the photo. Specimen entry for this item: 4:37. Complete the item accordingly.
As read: 10:29
